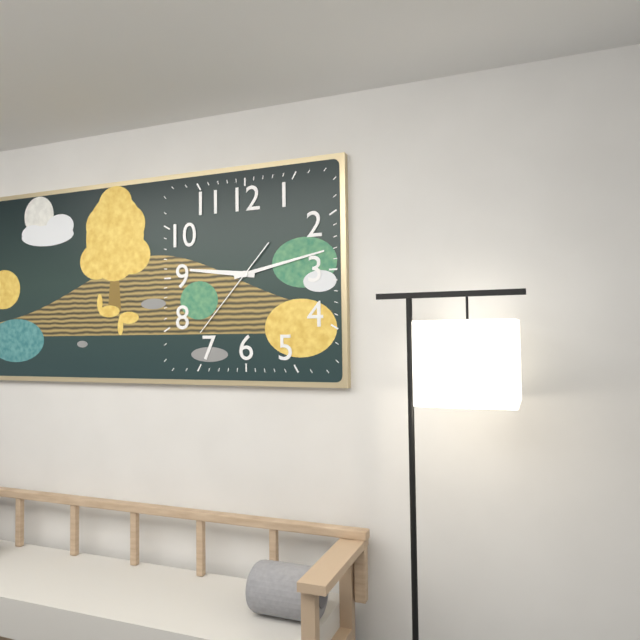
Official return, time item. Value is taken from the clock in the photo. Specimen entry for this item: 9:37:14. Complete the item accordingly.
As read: 9:13:37
